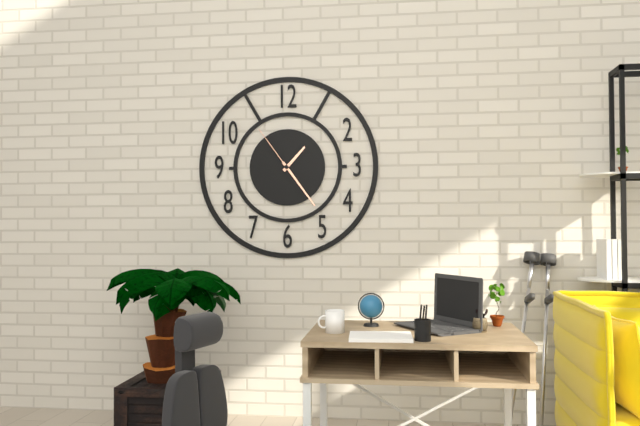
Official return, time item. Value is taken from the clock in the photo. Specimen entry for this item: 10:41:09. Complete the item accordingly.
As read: 1:24:54
